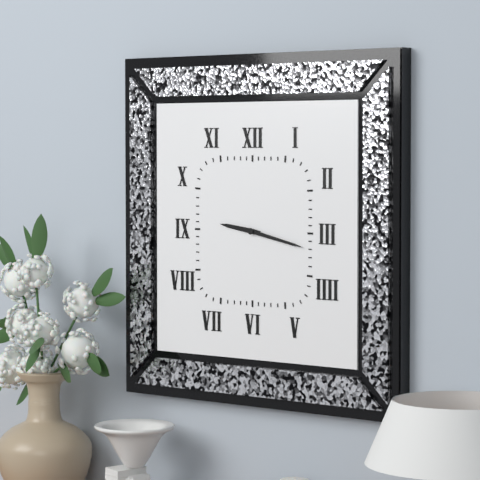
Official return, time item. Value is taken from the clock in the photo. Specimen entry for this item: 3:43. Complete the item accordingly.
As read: 9:17
